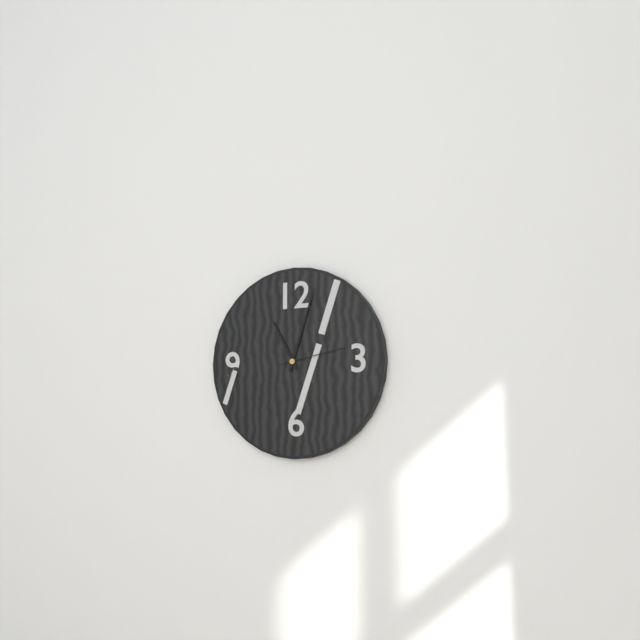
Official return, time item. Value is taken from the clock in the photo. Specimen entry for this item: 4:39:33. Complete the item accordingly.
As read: 11:03:13
